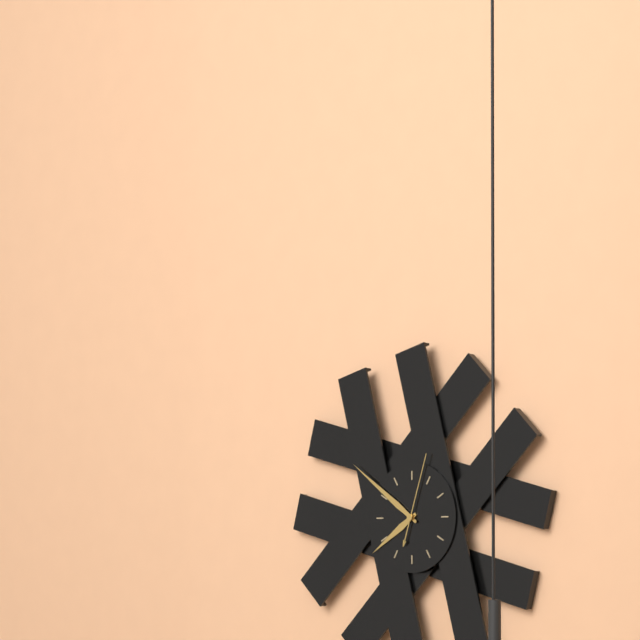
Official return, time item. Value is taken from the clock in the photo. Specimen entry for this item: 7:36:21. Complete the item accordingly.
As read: 7:51:03
